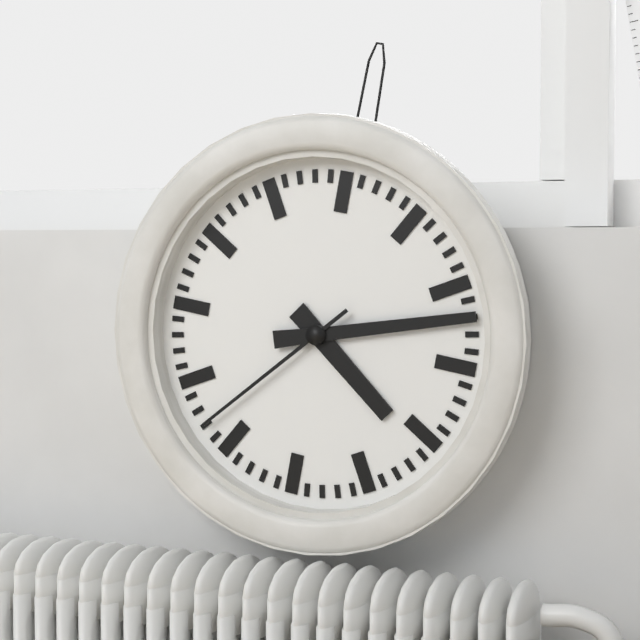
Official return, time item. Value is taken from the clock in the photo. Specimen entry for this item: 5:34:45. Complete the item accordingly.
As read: 4:12:37
